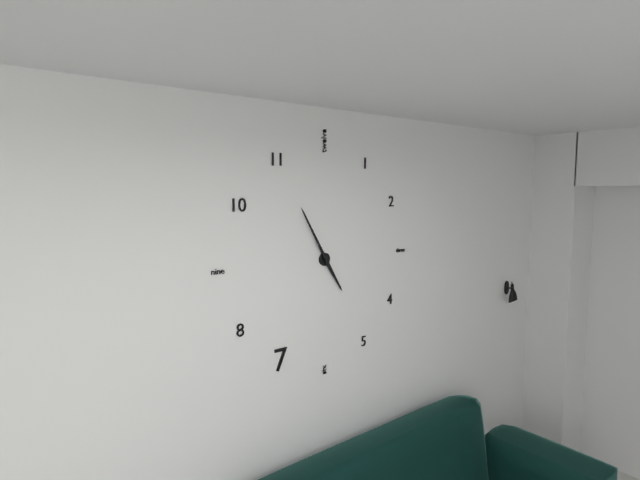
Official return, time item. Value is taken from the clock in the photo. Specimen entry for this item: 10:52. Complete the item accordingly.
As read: 4:55
